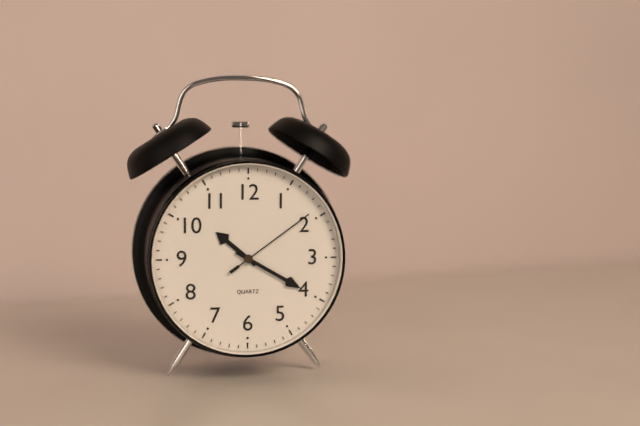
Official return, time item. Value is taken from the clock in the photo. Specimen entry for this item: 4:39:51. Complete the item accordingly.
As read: 10:20:09
